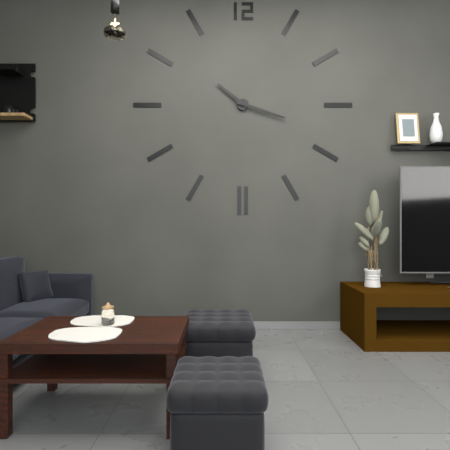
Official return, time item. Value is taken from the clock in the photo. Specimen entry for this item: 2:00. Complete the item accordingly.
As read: 10:18
